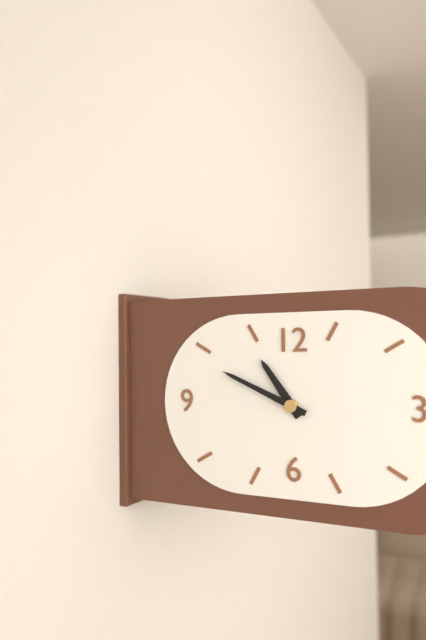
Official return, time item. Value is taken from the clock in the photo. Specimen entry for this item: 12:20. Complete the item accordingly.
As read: 10:49
